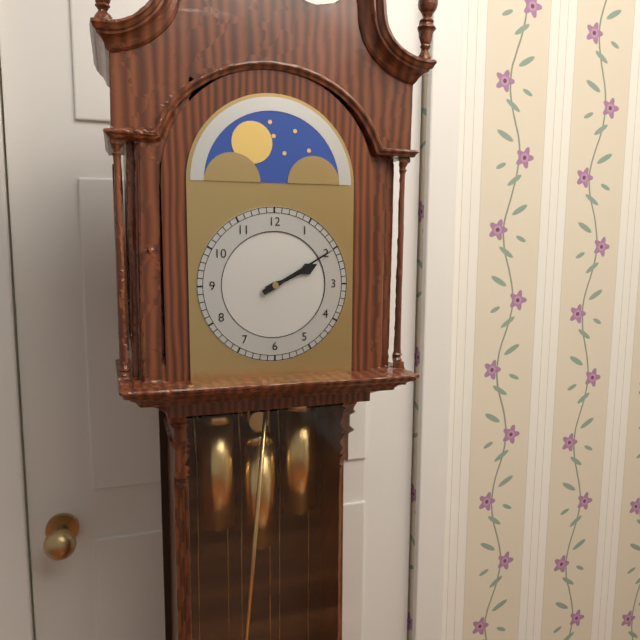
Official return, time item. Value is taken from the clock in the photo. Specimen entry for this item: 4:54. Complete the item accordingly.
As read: 2:10
